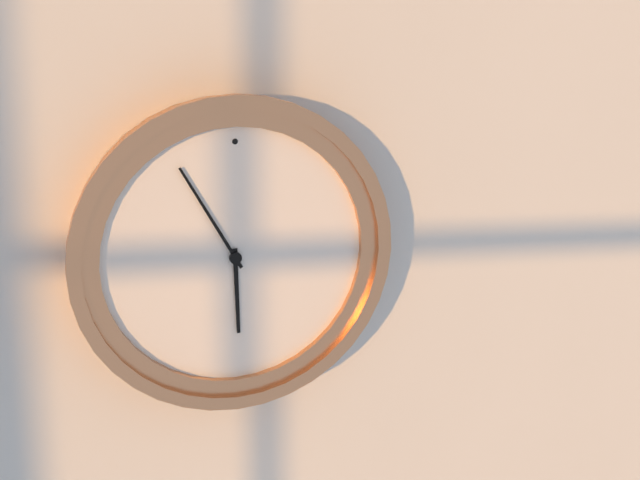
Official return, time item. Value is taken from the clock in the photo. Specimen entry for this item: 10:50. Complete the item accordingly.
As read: 5:55
